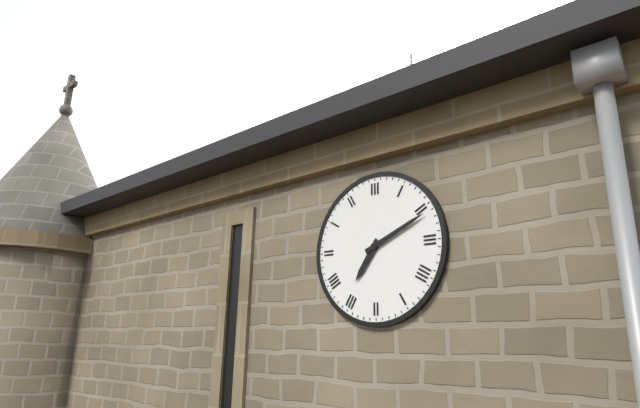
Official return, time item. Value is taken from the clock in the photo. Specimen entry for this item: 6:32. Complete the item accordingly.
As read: 7:11
